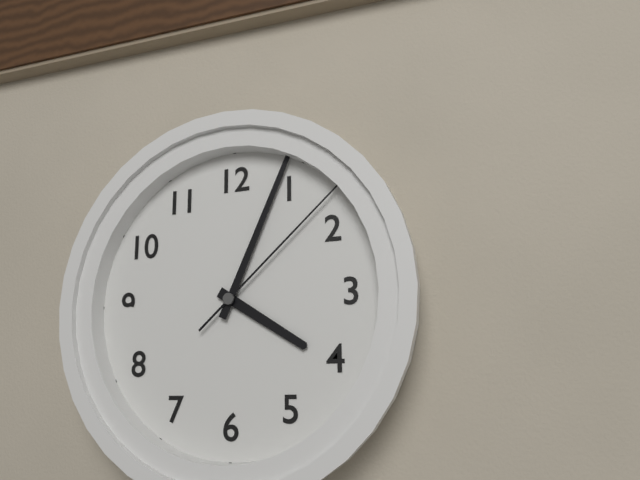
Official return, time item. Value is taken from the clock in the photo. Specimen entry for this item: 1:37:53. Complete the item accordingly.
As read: 4:04:08
